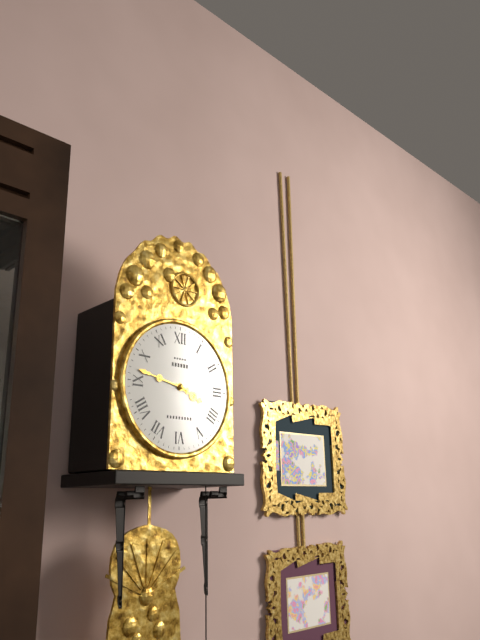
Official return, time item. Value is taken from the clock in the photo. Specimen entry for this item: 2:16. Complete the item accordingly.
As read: 3:47
